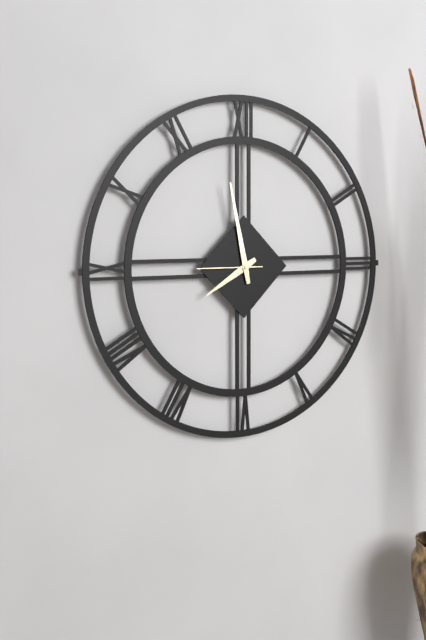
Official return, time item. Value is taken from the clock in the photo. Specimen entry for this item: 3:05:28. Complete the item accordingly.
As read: 7:58:45
